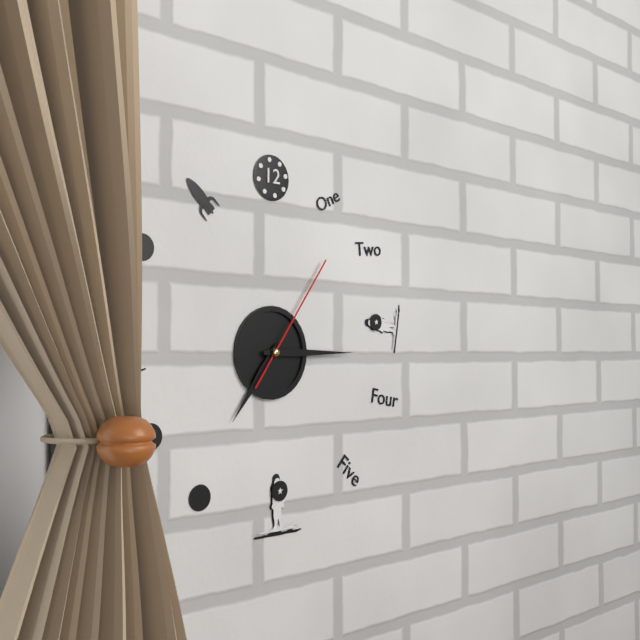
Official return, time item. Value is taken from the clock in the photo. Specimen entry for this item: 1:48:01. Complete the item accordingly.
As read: 7:15:06
